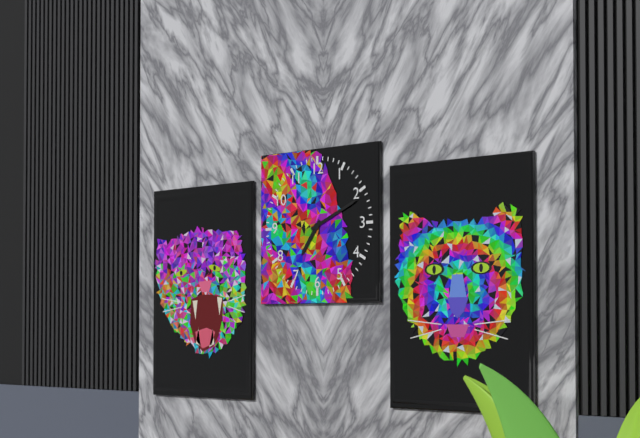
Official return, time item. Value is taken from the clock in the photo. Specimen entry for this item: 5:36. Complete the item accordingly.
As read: 7:11
